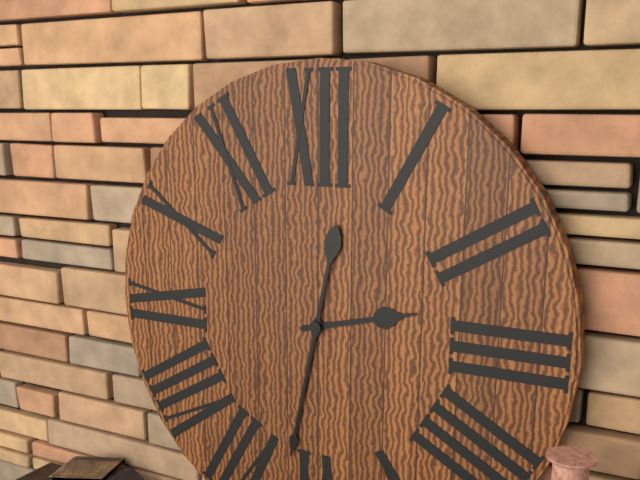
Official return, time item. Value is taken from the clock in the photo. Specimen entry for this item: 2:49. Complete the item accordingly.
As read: 2:32
